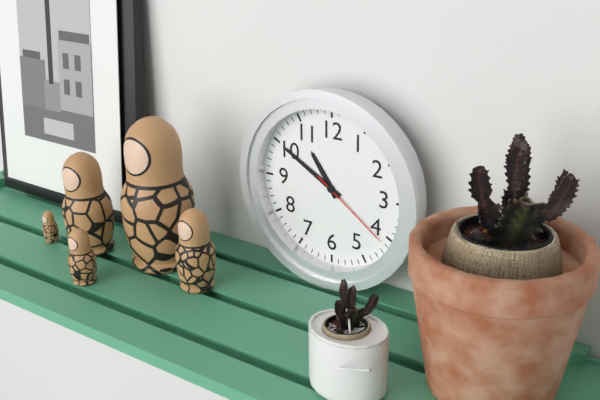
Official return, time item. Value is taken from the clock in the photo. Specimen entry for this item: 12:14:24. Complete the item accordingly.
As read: 10:50:21
